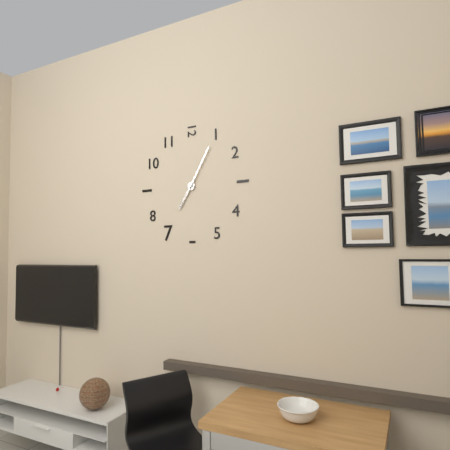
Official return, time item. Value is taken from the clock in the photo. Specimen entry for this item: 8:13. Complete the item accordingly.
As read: 7:05
